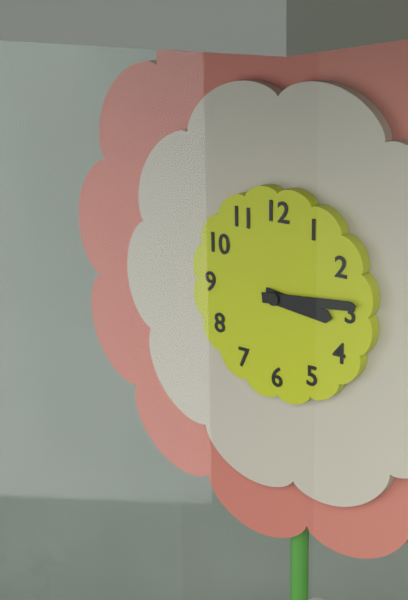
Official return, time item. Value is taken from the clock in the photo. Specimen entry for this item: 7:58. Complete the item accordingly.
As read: 3:14
